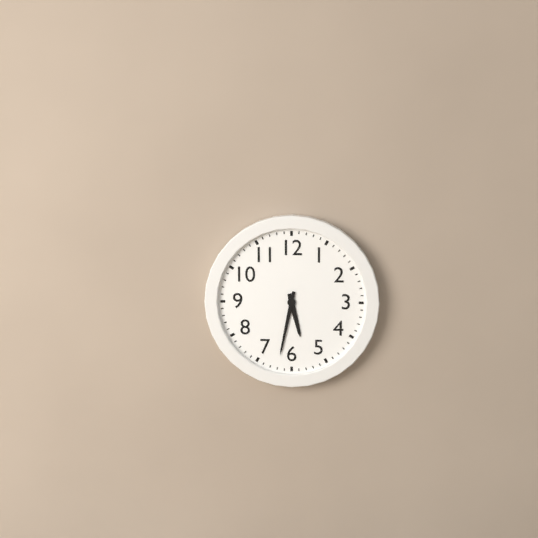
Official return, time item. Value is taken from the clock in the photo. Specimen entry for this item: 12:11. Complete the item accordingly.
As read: 5:32
